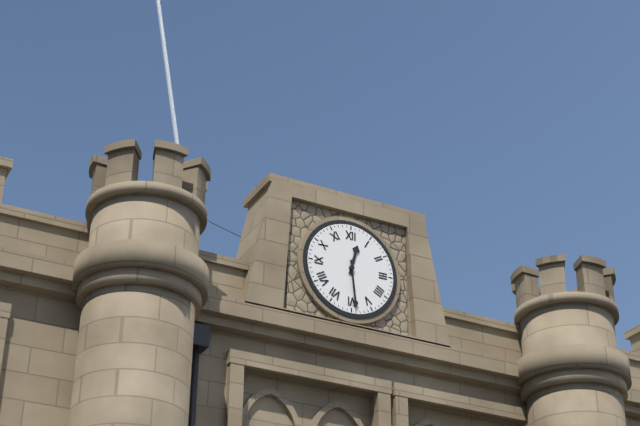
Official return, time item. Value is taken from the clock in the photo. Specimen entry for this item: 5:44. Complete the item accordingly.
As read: 12:29
